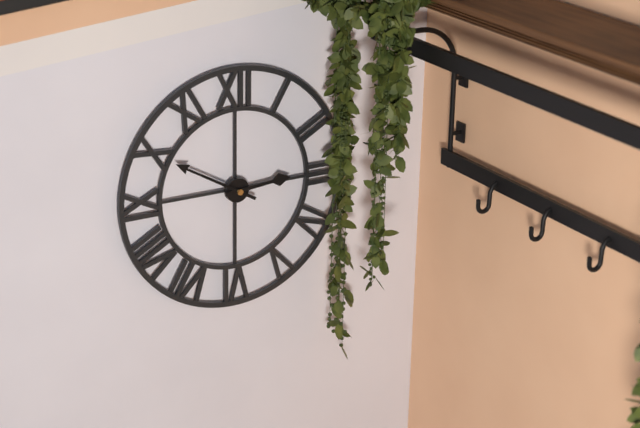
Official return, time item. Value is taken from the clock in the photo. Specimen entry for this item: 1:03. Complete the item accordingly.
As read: 2:50
